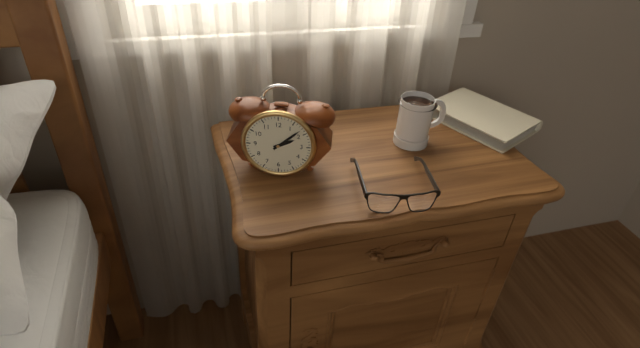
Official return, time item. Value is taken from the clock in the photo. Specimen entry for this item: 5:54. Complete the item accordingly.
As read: 2:08
